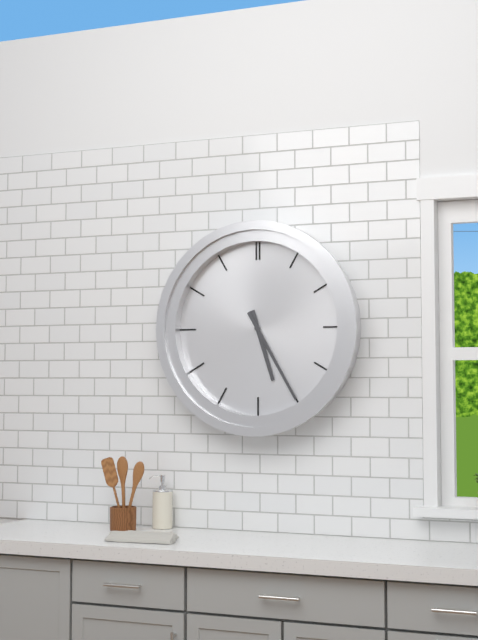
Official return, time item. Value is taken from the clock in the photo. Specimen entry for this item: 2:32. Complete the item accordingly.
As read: 5:25
